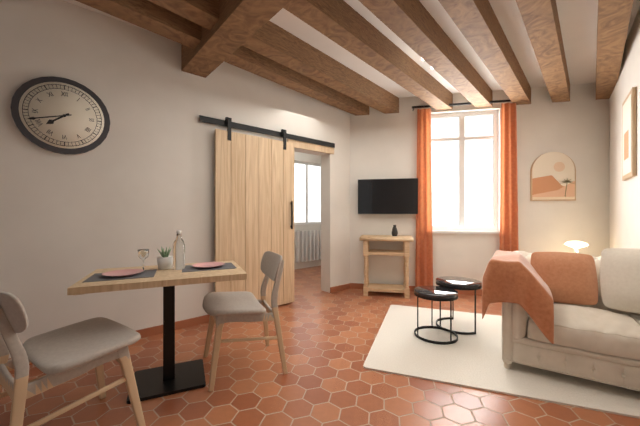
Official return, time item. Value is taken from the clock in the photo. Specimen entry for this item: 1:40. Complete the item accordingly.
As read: 7:42
